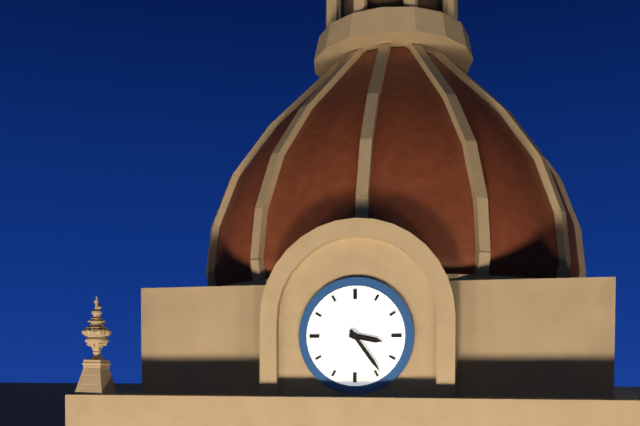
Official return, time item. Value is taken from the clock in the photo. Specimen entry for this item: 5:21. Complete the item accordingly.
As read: 3:24
